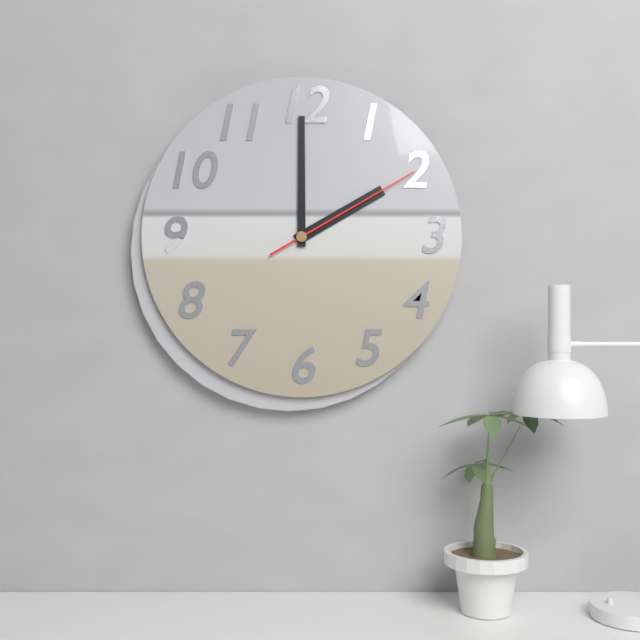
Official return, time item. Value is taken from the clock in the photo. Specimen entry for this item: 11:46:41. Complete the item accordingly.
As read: 2:00:10
